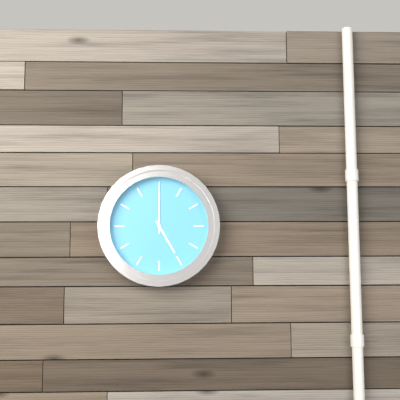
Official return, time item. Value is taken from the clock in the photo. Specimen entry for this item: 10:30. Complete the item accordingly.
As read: 5:00
